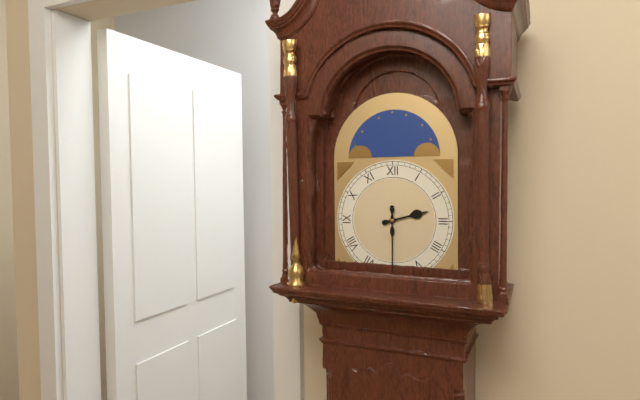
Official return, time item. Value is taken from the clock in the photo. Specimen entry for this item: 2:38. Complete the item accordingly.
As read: 2:30
